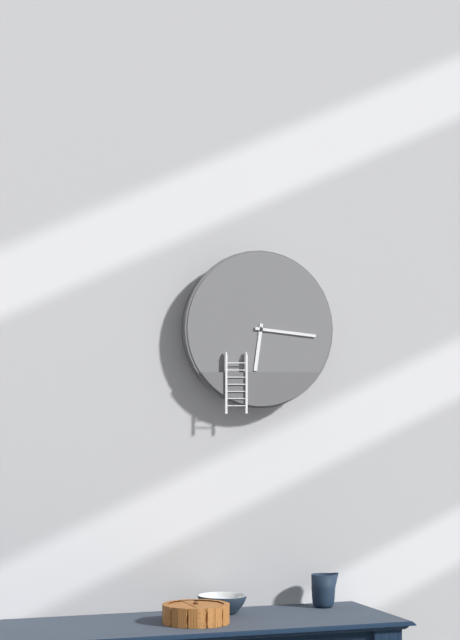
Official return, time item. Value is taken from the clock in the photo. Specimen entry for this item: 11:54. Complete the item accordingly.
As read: 6:16
